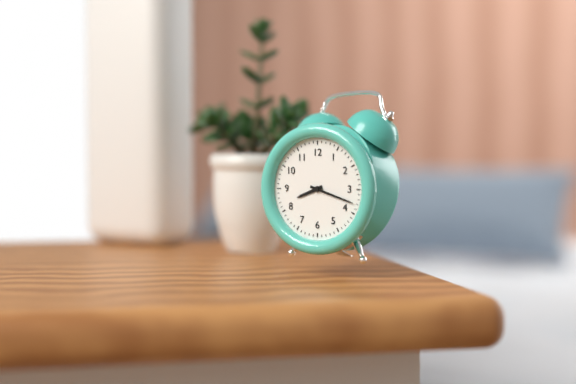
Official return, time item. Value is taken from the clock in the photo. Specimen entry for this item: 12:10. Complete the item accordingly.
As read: 8:18
